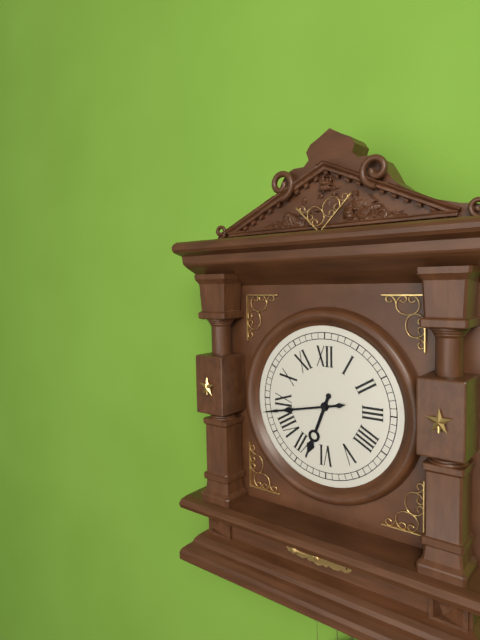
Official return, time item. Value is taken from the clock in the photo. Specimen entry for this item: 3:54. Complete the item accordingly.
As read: 6:43
